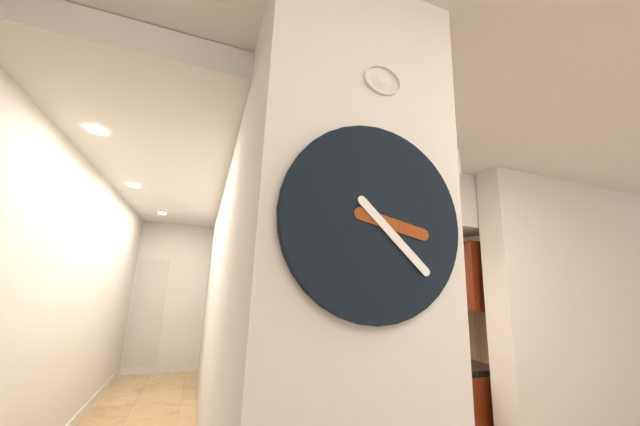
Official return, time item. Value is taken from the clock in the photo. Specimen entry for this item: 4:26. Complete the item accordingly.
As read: 3:22
